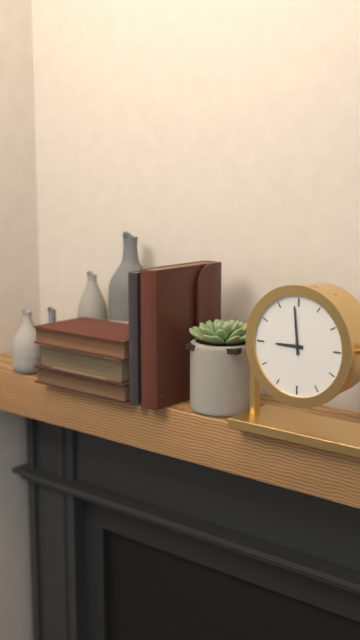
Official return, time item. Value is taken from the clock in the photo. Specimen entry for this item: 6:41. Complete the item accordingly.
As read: 8:59
